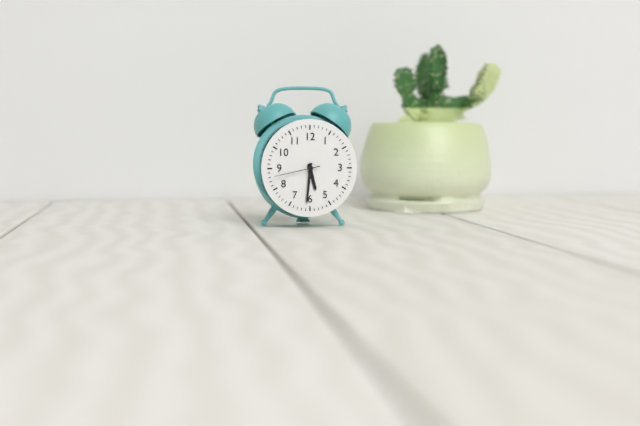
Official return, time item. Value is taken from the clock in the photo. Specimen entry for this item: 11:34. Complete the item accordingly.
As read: 5:31
